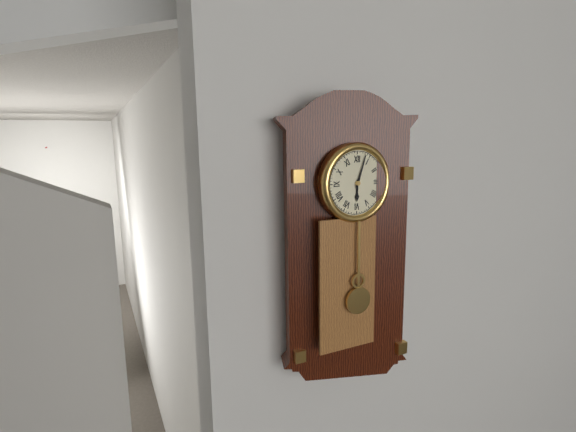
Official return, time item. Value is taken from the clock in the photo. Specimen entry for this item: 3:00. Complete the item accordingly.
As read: 6:03
